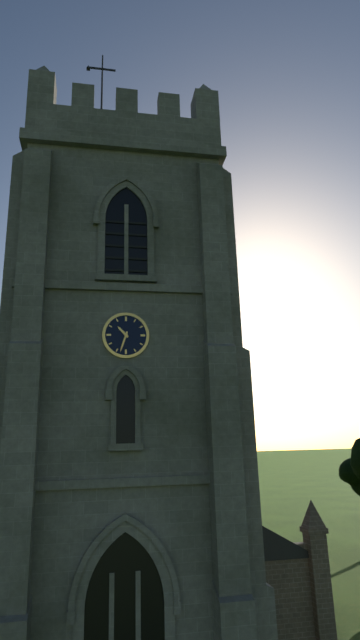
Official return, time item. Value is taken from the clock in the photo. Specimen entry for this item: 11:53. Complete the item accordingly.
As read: 10:33
